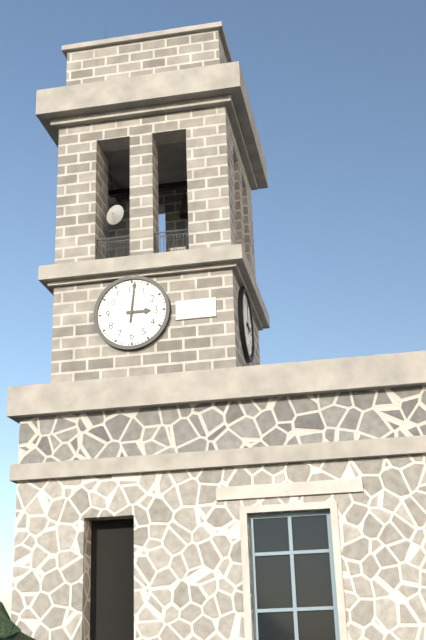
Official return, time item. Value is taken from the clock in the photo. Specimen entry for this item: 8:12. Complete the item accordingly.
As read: 3:01
